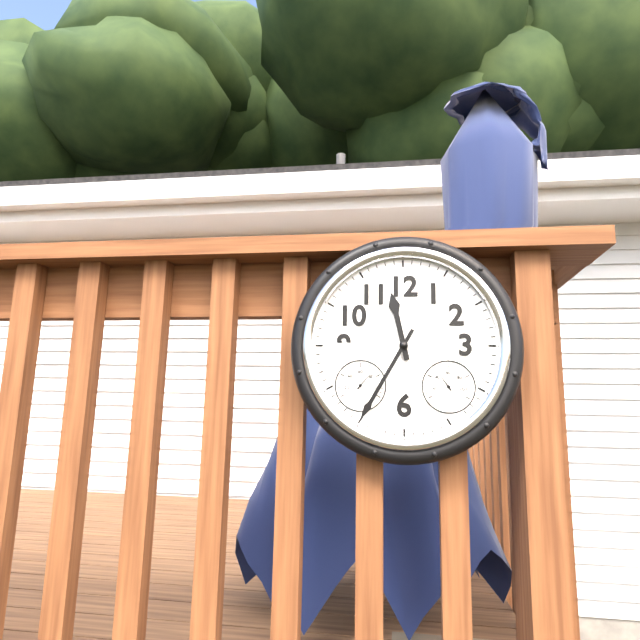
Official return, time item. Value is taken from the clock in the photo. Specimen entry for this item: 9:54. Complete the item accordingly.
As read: 11:35
